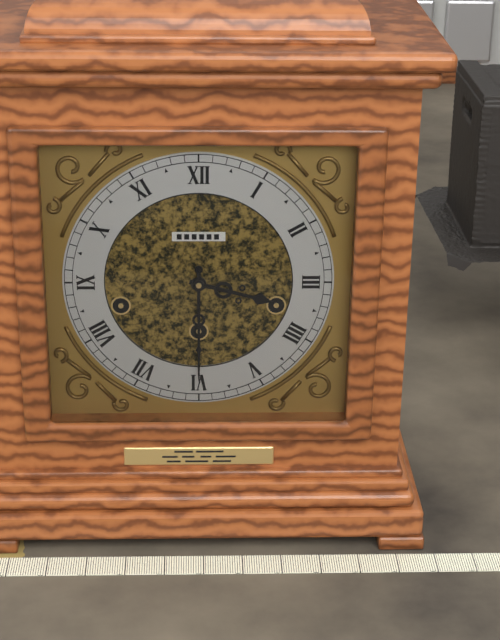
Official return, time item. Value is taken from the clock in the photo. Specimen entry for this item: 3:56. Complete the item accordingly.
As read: 3:30
